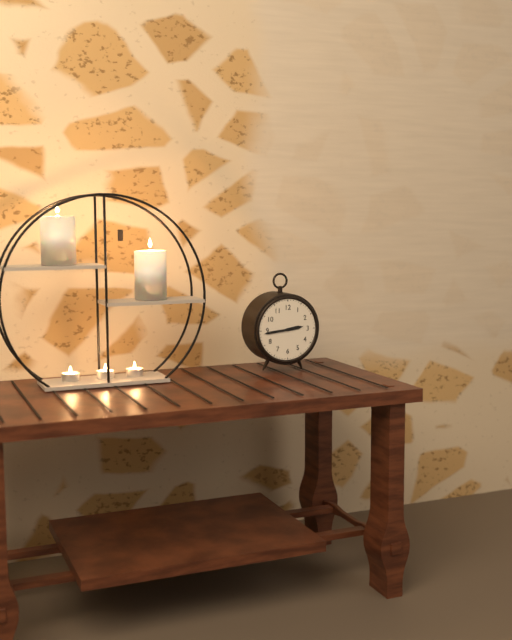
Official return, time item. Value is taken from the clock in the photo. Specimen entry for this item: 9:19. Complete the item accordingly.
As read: 2:44
